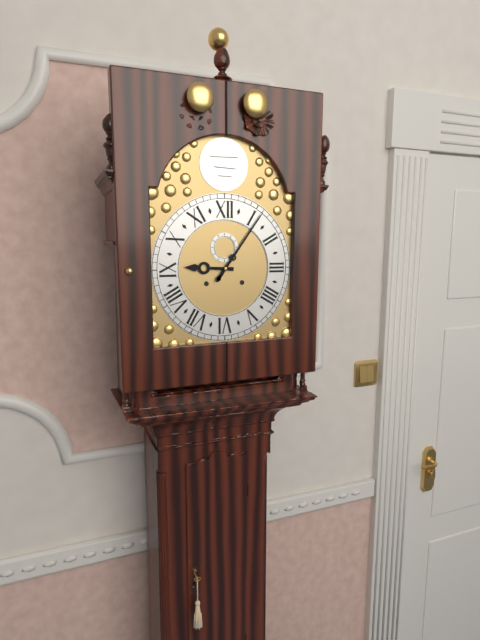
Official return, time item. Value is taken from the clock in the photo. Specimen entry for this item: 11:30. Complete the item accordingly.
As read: 9:06
